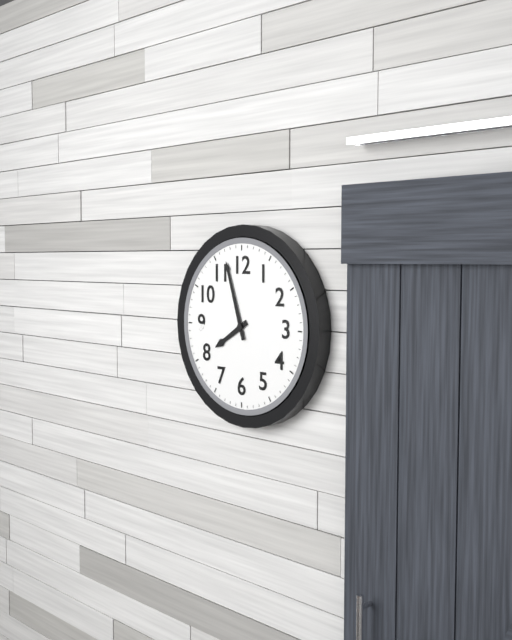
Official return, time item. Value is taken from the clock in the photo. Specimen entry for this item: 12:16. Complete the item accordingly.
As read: 7:57
